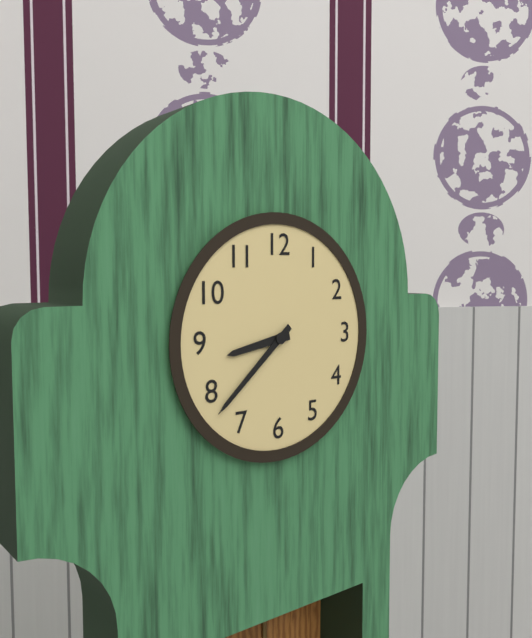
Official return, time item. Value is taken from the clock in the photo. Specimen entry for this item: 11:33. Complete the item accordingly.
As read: 8:38
